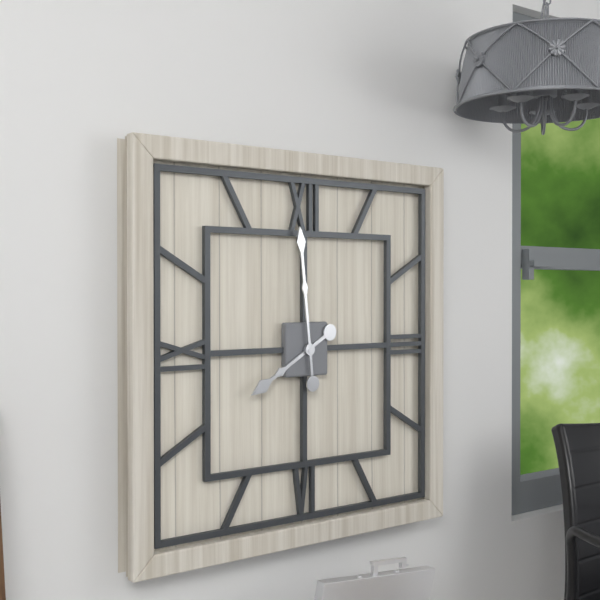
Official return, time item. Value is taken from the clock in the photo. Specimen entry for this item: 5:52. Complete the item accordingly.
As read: 7:59
